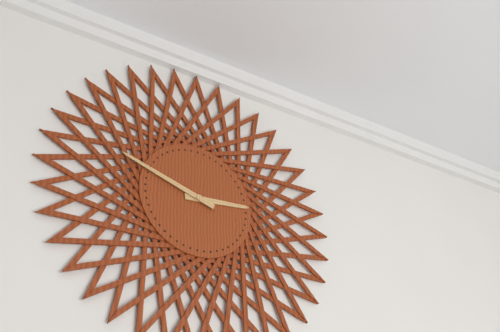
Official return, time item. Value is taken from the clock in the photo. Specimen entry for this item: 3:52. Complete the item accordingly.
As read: 2:48
